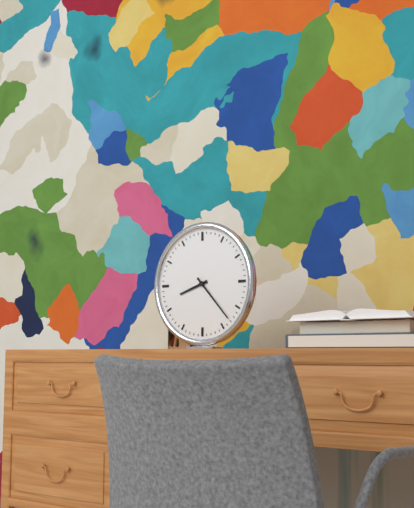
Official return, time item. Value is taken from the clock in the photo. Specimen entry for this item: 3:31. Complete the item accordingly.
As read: 8:23
